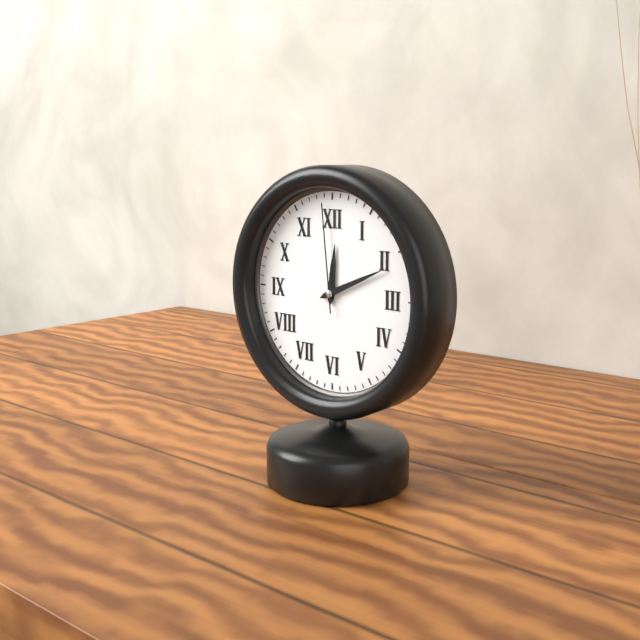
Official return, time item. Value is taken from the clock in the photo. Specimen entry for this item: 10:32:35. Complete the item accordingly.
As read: 12:11:59
